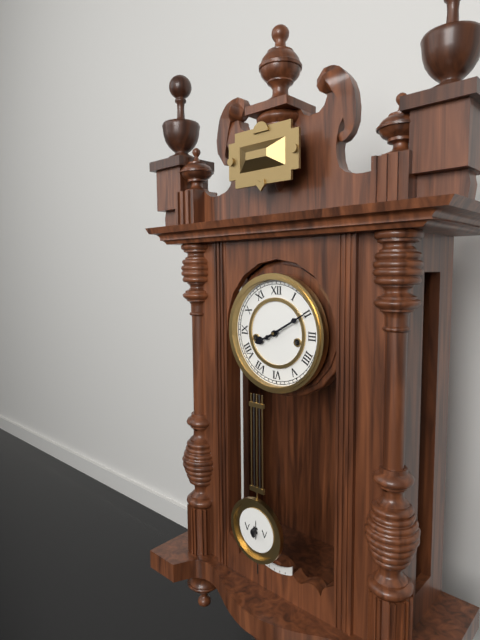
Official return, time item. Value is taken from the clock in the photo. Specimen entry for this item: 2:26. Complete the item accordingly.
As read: 8:10
